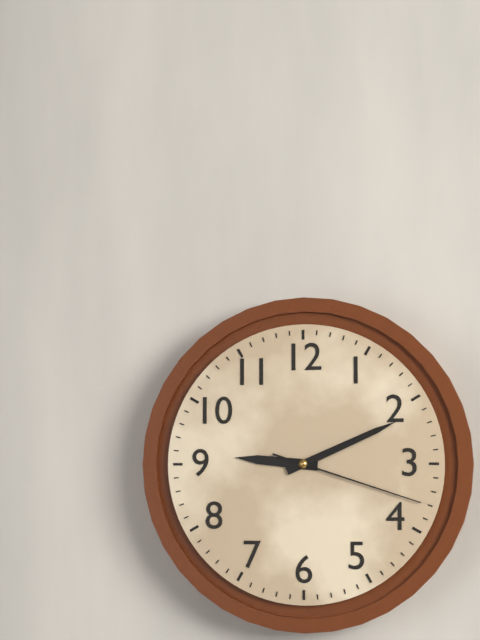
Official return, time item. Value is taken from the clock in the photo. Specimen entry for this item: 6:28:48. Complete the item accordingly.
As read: 9:11:18
